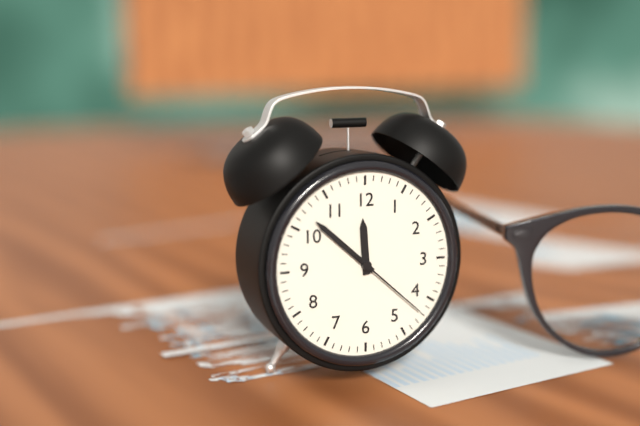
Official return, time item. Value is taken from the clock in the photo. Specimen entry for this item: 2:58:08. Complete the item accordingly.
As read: 11:52:22
